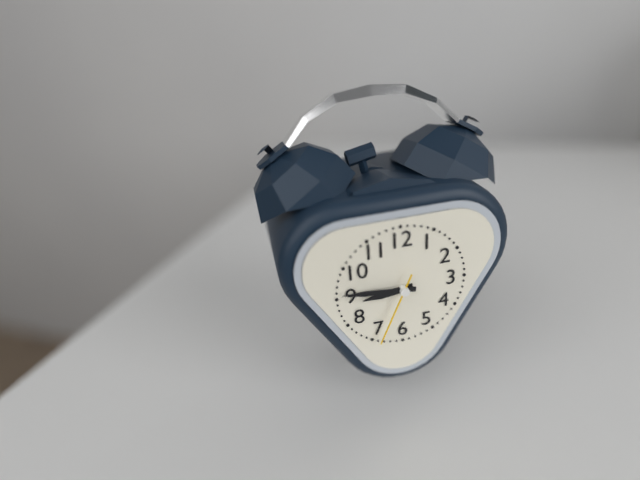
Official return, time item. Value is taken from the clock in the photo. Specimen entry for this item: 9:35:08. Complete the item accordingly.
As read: 8:46:34
